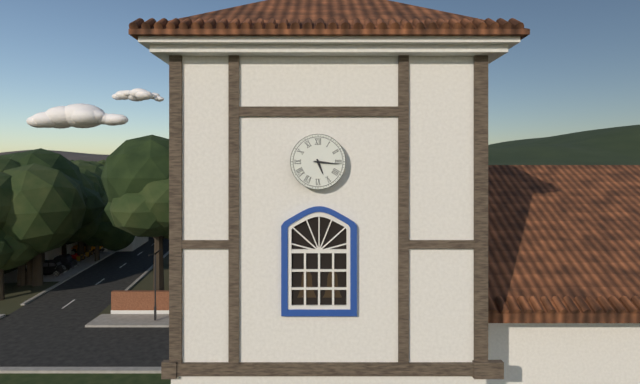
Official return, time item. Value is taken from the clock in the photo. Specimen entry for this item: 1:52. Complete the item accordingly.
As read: 5:16
